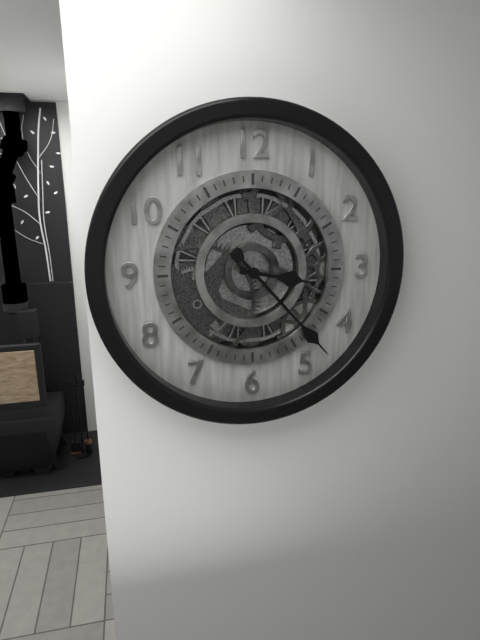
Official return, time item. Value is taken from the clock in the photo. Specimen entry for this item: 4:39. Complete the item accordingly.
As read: 3:23
